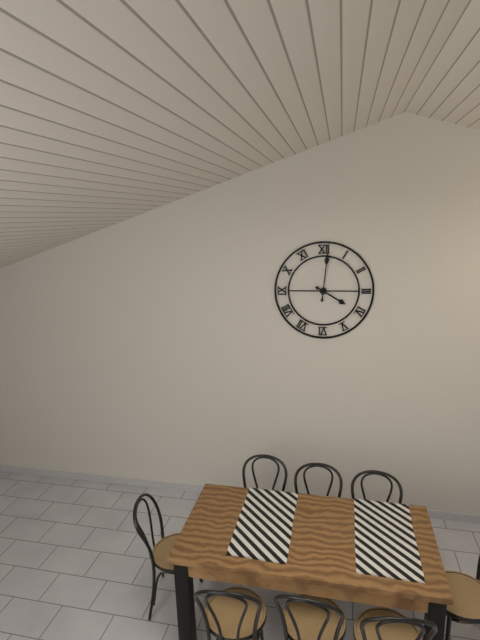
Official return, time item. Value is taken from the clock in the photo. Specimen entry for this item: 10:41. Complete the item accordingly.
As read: 4:01
